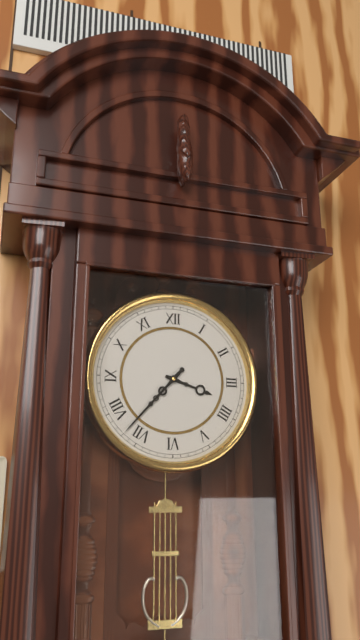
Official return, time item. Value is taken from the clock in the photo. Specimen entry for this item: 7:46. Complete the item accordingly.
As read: 3:37
